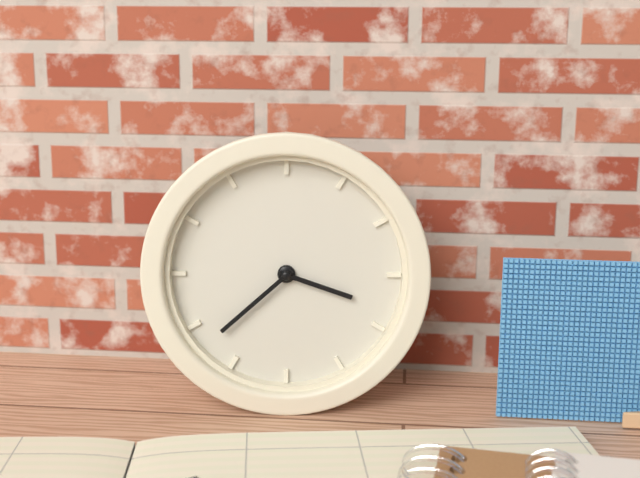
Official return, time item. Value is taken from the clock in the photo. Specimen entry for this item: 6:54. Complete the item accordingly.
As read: 3:38
